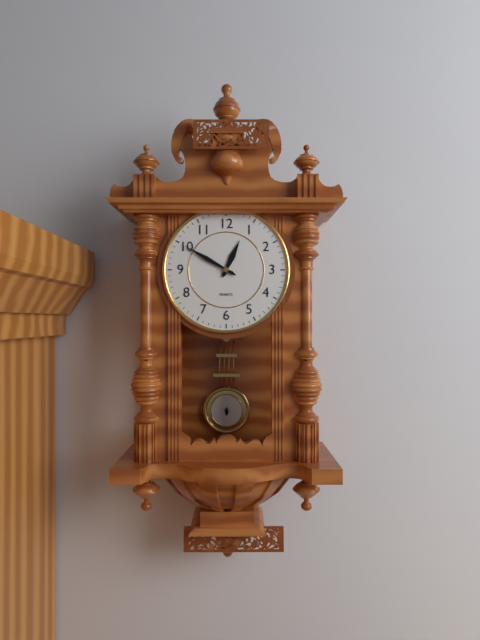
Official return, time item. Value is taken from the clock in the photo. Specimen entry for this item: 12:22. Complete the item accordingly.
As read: 12:50
